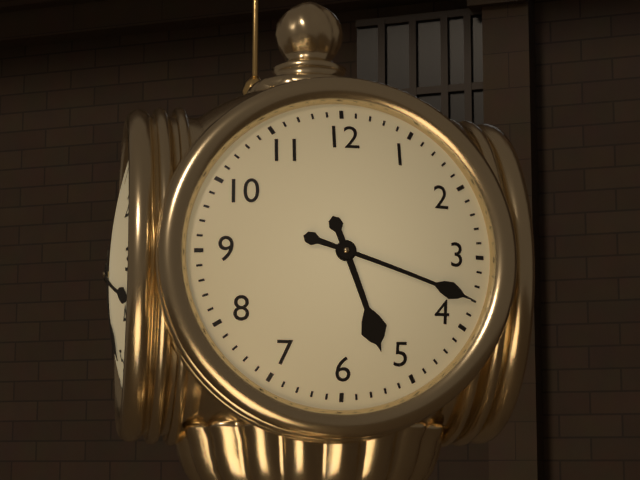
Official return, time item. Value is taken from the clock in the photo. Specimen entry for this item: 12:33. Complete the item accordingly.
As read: 5:18
